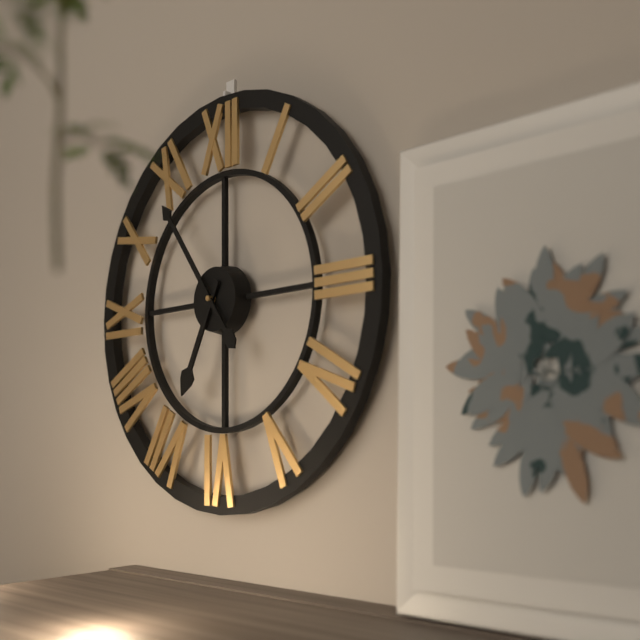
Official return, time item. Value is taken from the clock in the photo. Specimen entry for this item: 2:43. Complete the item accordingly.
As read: 6:54
